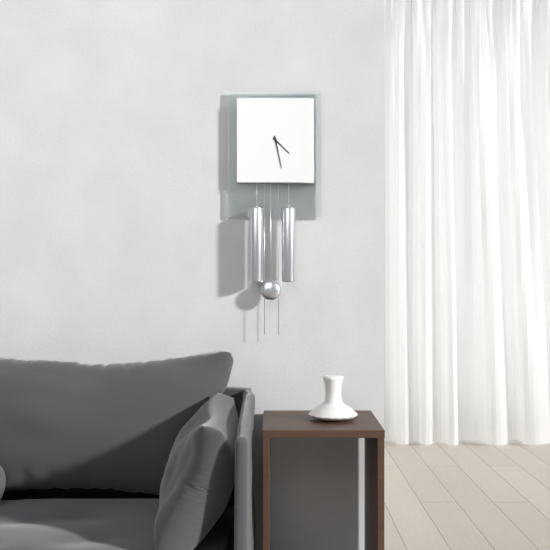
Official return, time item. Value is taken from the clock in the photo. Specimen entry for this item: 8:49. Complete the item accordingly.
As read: 4:28
